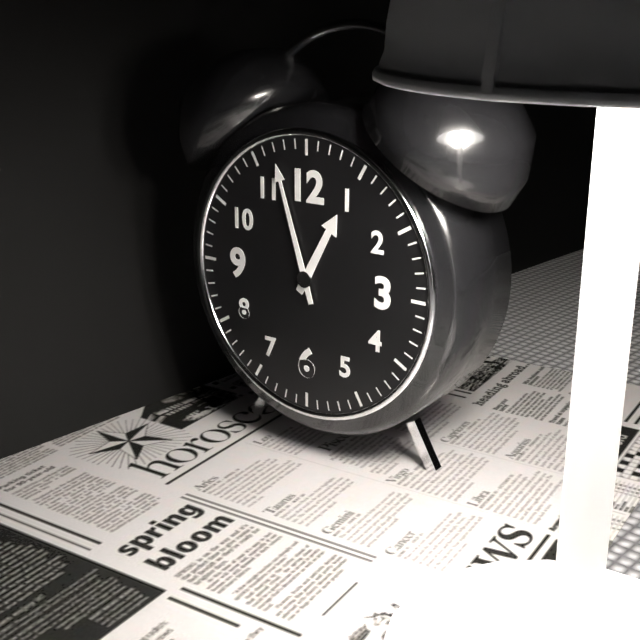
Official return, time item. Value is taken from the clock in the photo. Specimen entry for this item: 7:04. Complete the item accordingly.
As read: 12:57
